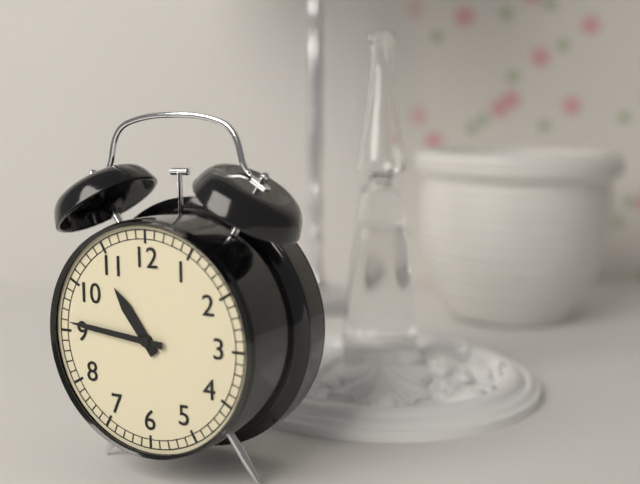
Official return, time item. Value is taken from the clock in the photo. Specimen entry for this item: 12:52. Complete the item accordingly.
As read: 10:46
